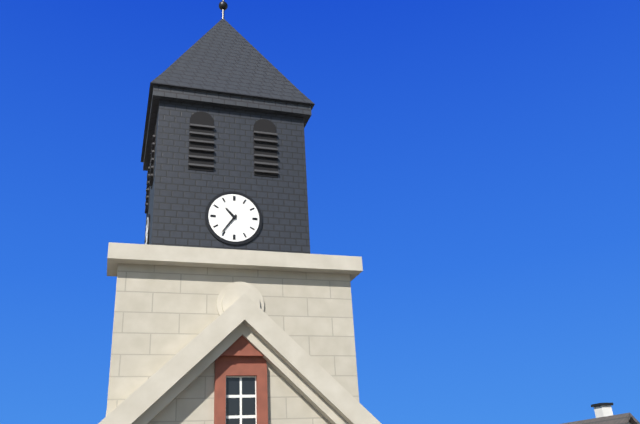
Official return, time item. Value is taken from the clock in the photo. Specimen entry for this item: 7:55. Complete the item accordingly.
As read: 10:36
